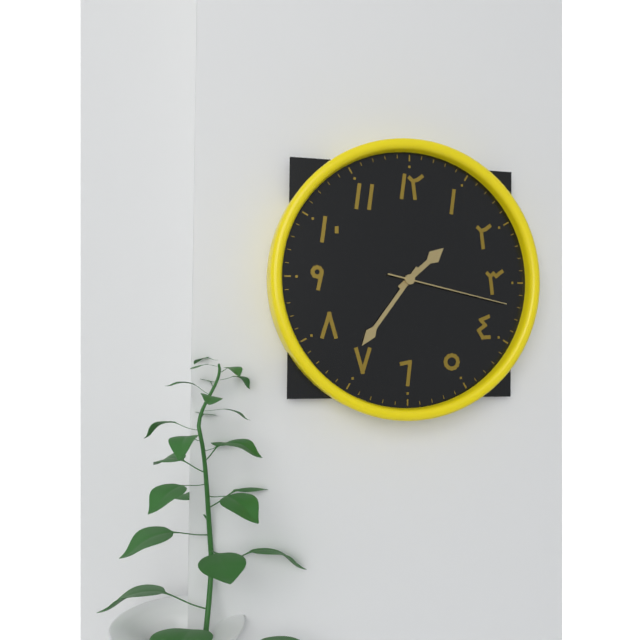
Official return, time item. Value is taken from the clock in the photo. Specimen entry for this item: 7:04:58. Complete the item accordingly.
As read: 1:36:17
